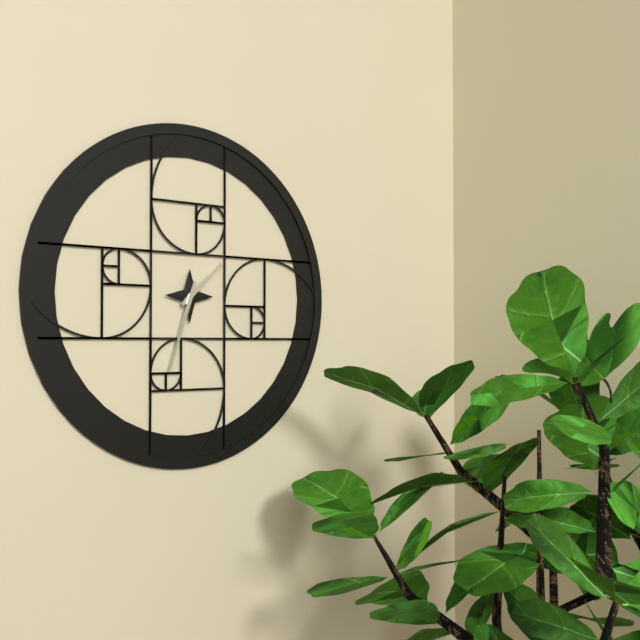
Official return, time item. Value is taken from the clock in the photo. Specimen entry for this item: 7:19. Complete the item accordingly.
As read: 1:33
